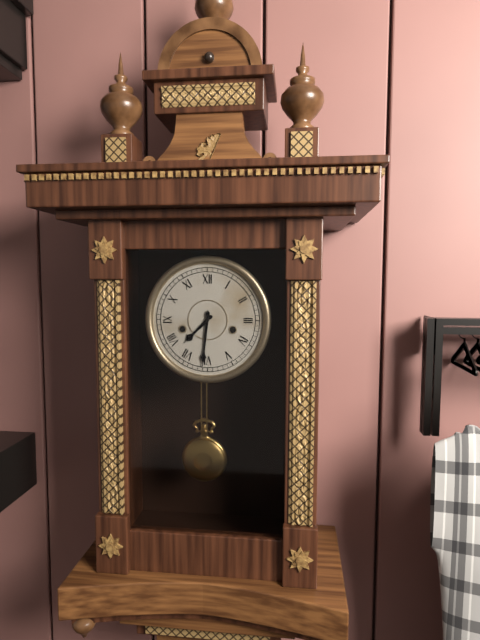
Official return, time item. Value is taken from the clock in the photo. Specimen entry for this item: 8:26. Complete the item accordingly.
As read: 7:31
